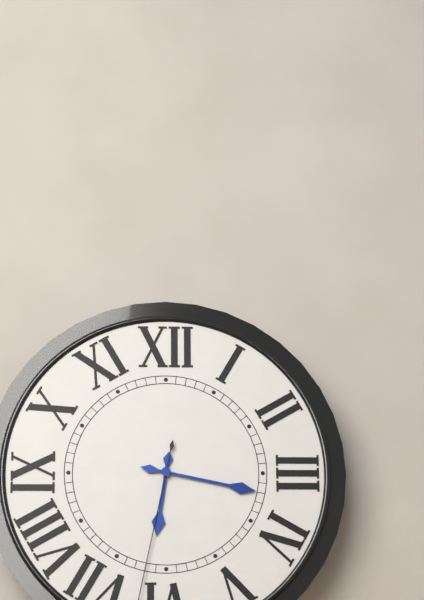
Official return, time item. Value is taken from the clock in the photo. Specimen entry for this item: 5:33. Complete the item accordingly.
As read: 6:17
